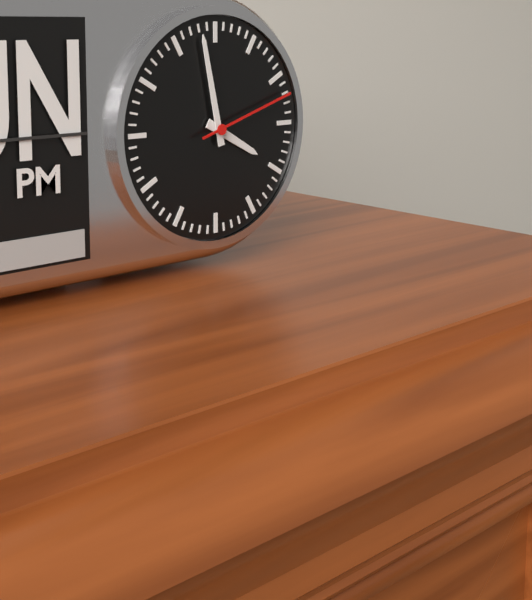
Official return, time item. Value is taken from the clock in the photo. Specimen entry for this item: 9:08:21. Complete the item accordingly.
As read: 3:58:12
